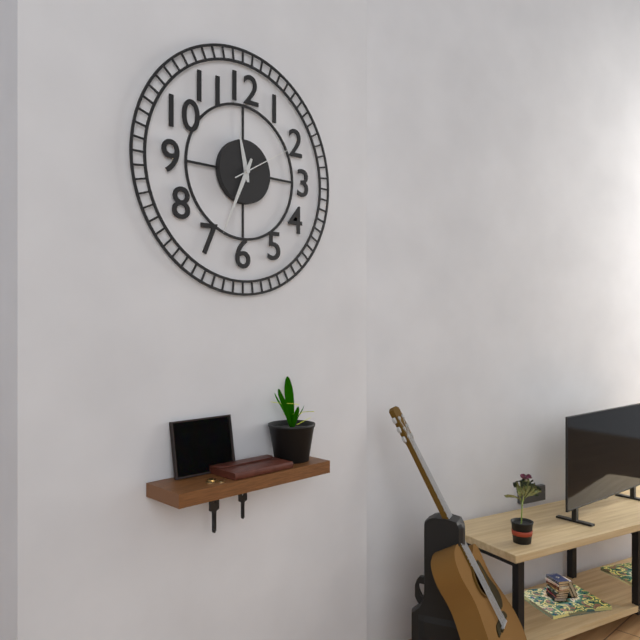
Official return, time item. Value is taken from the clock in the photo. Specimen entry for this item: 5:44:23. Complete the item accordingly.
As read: 11:34:10
